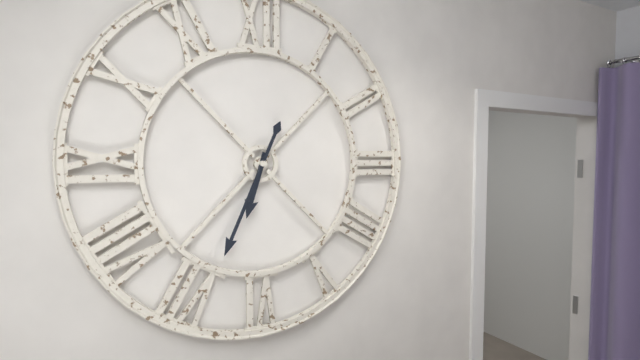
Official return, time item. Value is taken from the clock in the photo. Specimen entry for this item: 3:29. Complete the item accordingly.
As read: 6:34
